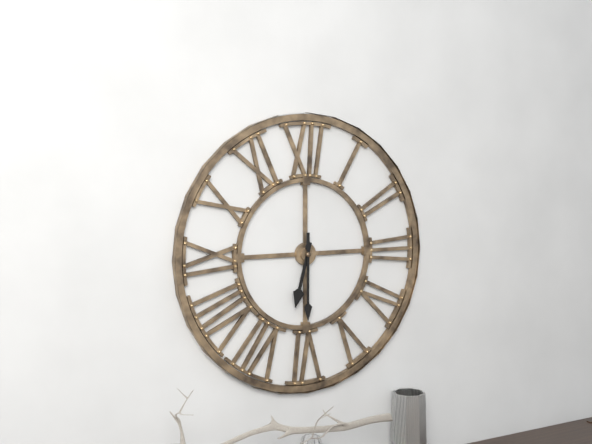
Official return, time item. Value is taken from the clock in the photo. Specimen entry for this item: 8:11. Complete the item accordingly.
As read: 6:30
